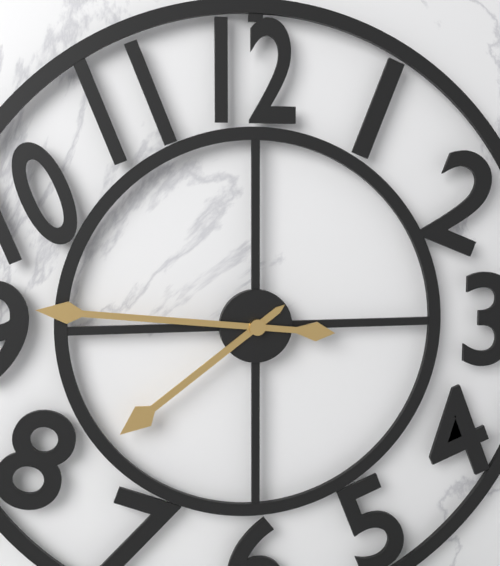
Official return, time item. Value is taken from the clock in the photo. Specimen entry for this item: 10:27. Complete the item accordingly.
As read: 7:46
